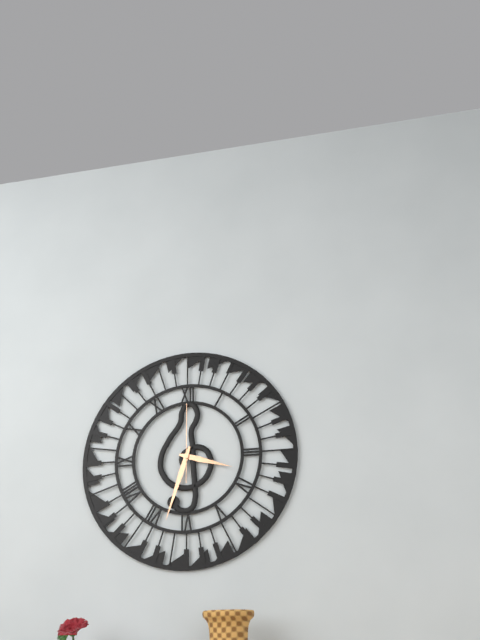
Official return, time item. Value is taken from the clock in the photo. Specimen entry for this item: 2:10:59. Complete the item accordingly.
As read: 3:33:00
